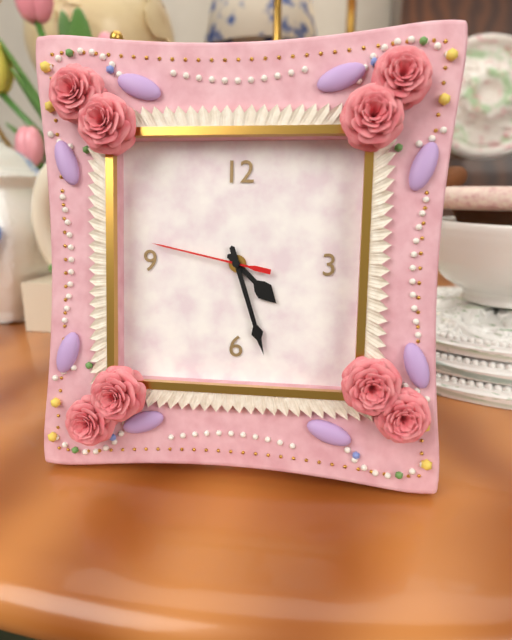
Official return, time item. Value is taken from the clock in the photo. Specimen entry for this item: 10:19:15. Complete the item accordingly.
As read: 4:27:47
